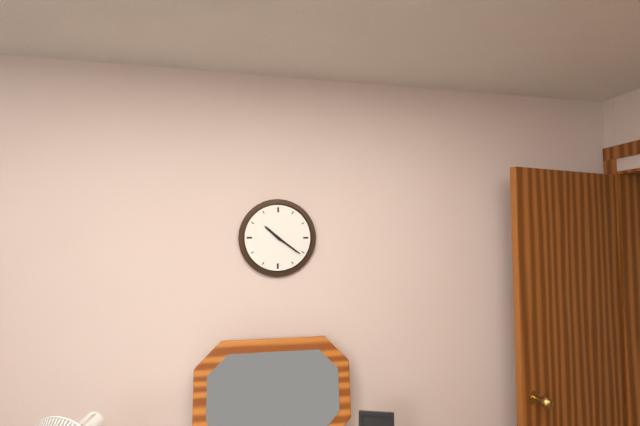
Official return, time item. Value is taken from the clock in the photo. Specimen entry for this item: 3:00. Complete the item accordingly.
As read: 10:21
